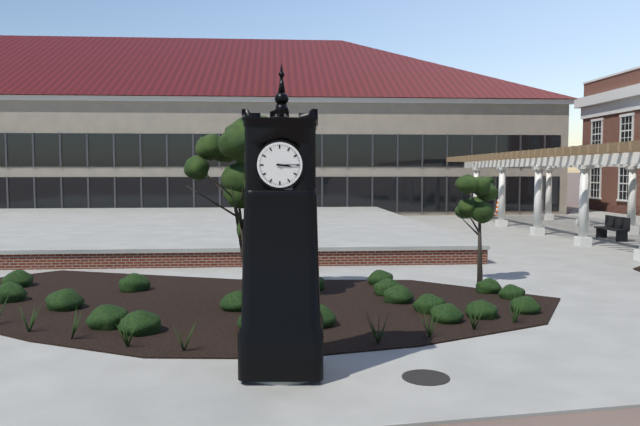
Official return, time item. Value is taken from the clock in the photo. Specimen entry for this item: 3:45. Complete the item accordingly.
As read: 3:15
